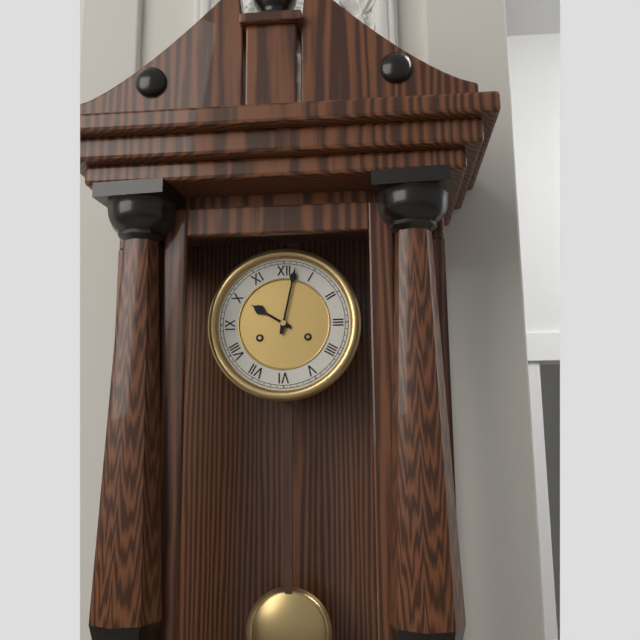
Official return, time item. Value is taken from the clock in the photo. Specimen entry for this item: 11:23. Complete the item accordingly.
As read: 10:02
